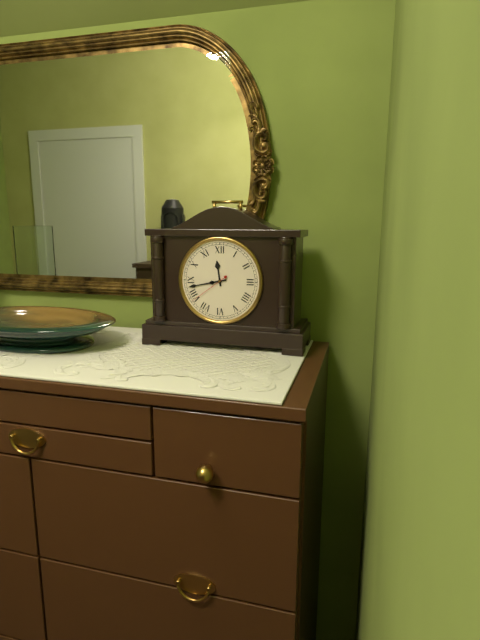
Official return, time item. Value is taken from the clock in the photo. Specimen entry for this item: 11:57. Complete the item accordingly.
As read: 11:43
